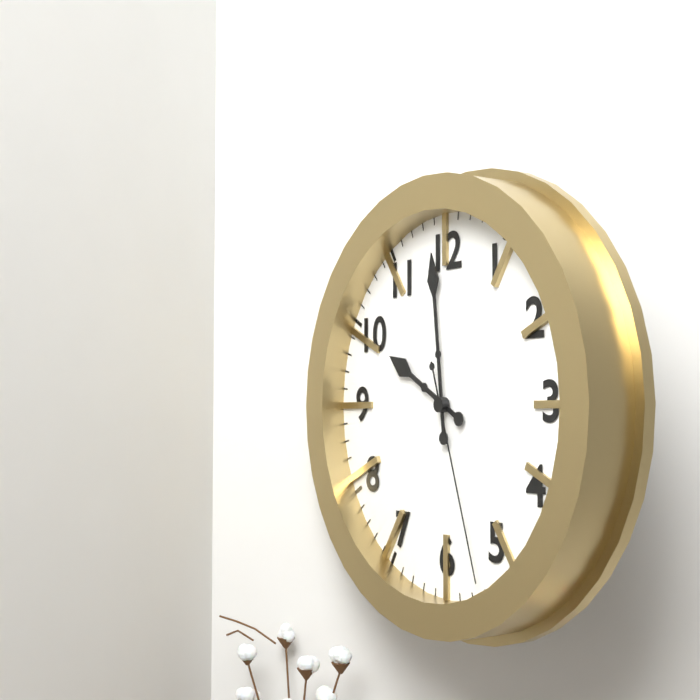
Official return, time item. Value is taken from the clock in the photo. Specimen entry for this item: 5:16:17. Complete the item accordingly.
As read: 9:59:27
